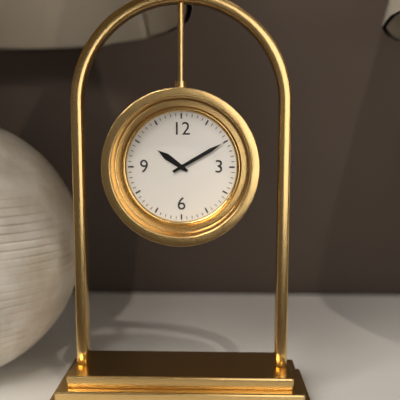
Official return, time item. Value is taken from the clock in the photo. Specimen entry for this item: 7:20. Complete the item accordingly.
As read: 10:10
